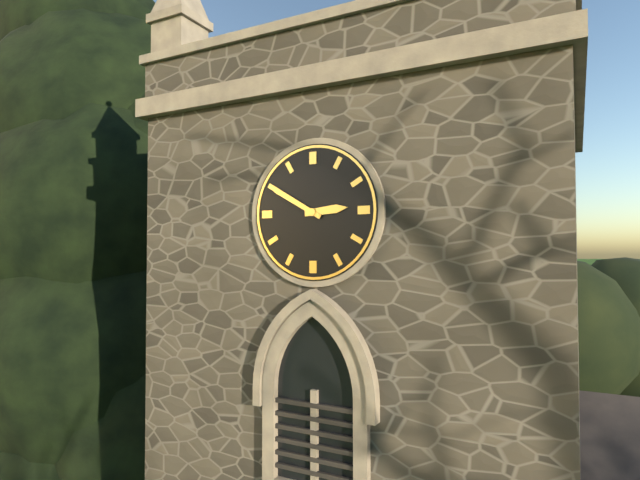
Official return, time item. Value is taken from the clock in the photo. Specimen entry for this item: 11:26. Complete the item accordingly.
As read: 2:50
